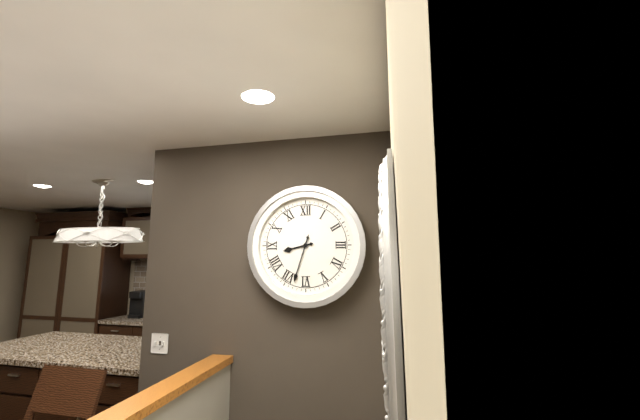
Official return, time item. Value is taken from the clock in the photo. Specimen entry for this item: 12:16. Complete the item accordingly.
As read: 8:33
